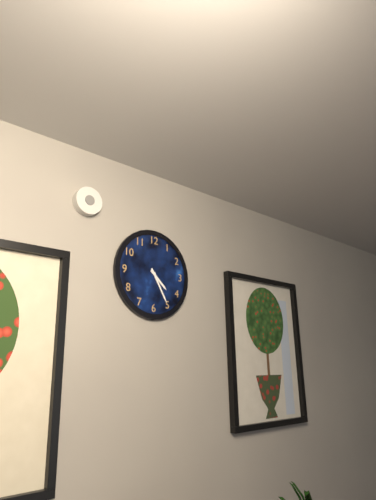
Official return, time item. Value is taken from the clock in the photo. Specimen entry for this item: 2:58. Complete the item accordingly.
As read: 4:25
